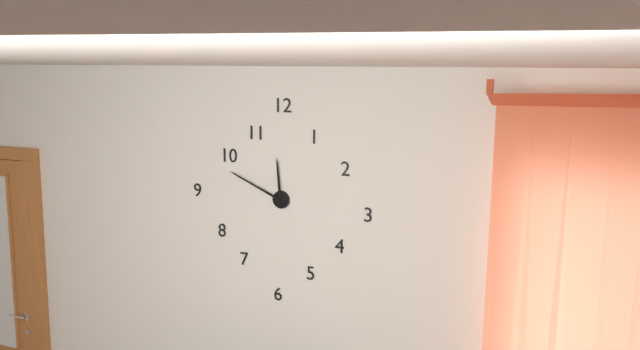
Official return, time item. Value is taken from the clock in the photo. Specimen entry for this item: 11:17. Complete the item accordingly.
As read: 11:49
